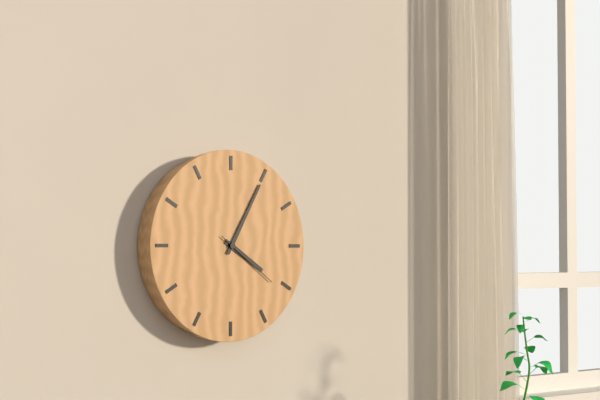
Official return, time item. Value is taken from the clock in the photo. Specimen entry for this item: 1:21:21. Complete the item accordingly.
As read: 4:05:21
